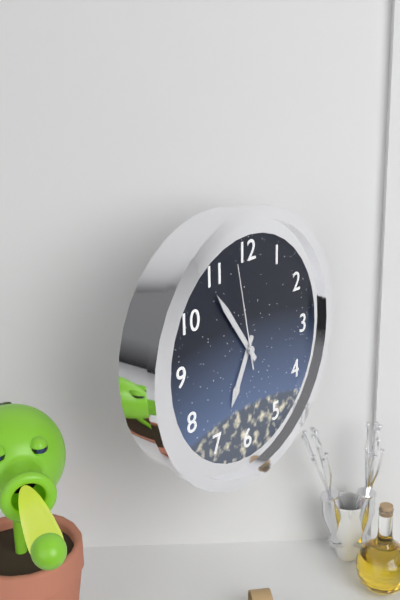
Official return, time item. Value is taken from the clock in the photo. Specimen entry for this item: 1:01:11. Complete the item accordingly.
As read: 6:54:58
